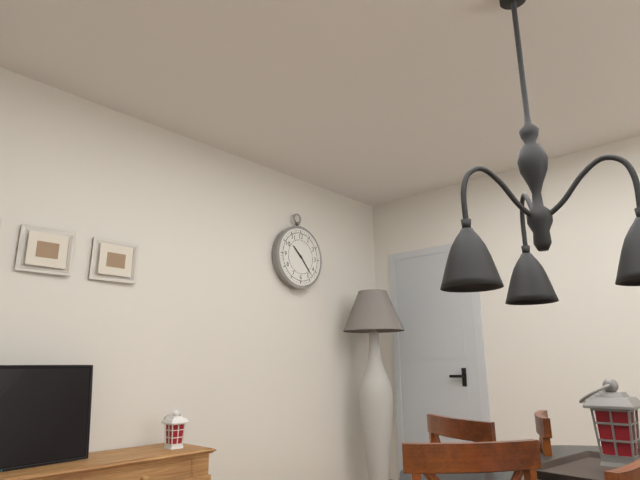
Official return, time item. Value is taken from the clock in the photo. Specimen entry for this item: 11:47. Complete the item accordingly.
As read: 10:23
